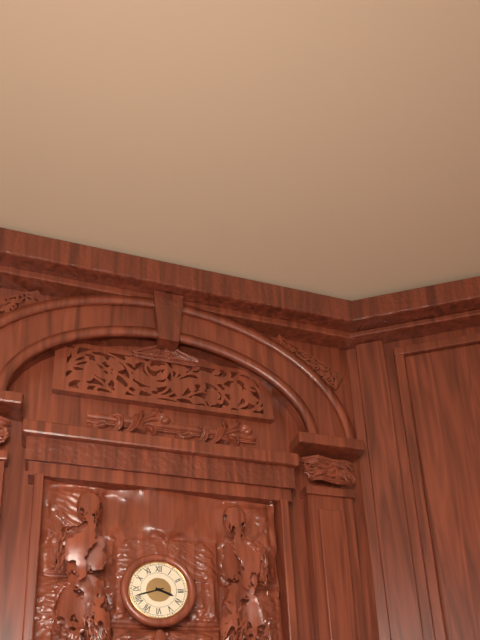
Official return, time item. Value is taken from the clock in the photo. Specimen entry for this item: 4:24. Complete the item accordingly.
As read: 3:42
